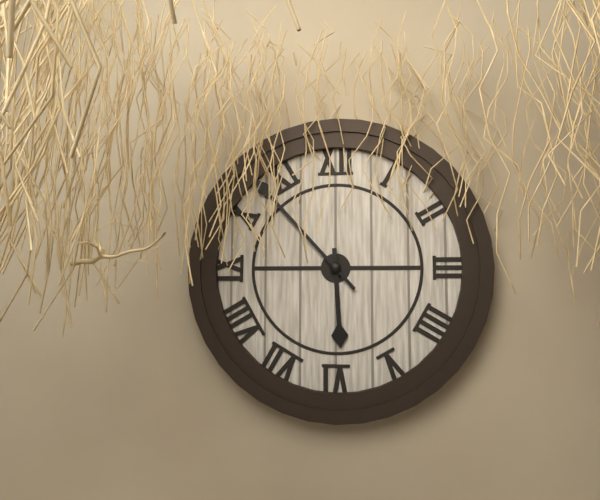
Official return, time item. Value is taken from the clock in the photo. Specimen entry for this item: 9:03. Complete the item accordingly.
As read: 5:53
